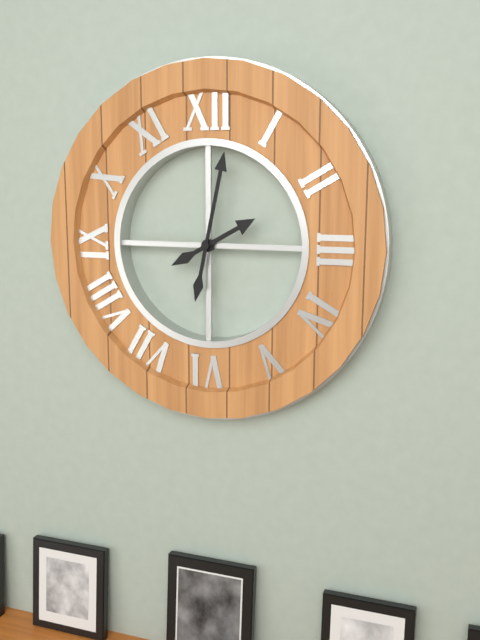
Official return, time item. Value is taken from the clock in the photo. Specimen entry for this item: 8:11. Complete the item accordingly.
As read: 2:02
